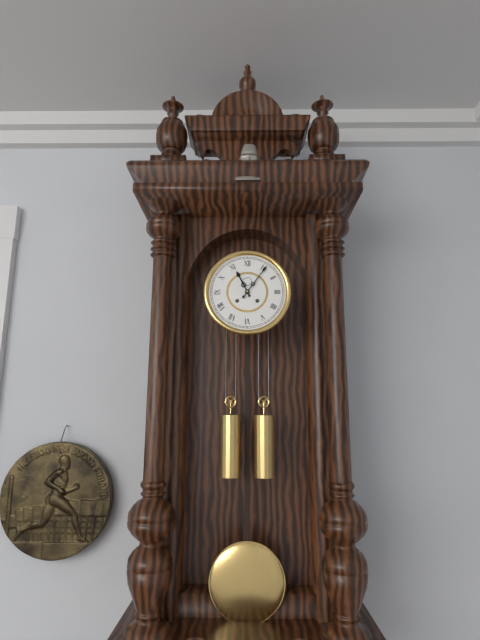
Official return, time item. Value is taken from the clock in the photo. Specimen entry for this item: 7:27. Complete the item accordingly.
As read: 11:06
